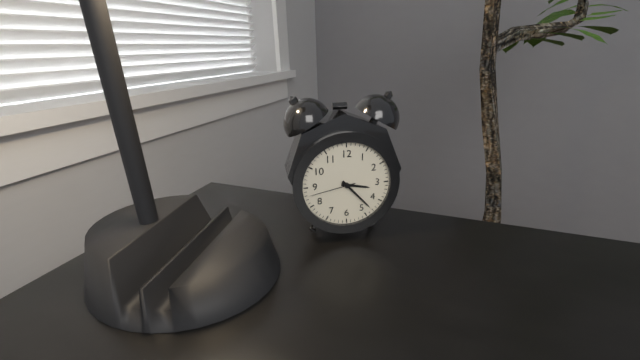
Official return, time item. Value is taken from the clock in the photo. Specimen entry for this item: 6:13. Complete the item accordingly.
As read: 3:23
